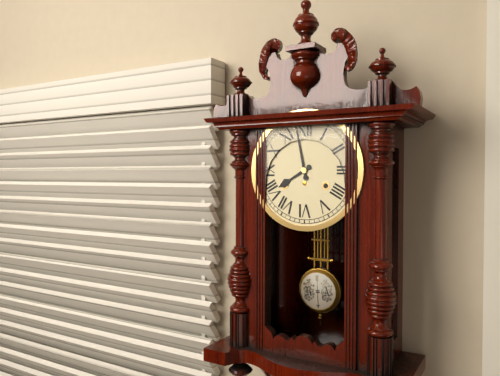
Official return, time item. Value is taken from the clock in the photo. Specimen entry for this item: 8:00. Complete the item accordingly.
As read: 7:58
